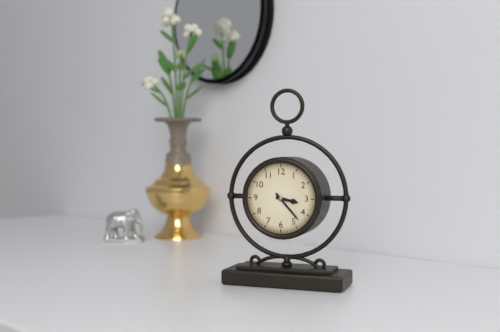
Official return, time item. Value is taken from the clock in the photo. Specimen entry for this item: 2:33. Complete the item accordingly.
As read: 3:23
